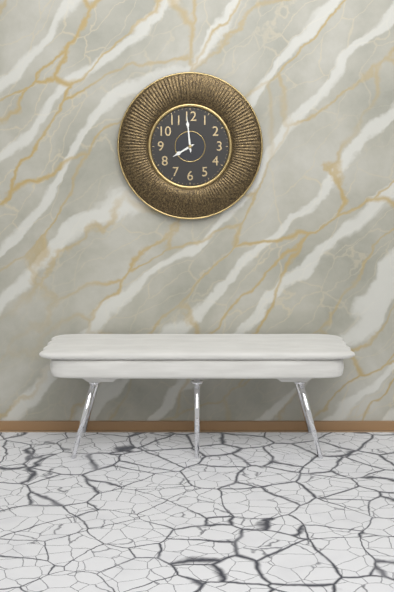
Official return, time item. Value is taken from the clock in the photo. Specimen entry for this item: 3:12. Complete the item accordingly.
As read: 7:59
